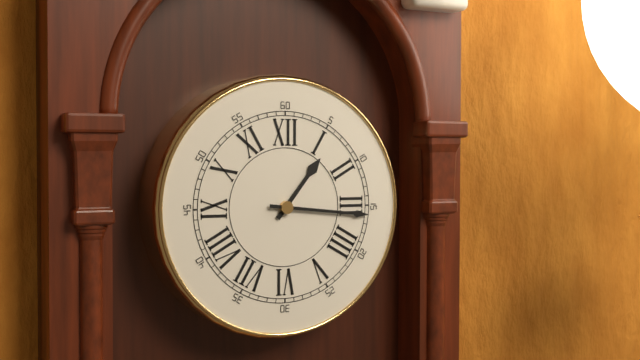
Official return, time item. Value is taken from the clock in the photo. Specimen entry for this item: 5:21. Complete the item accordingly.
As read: 1:16
